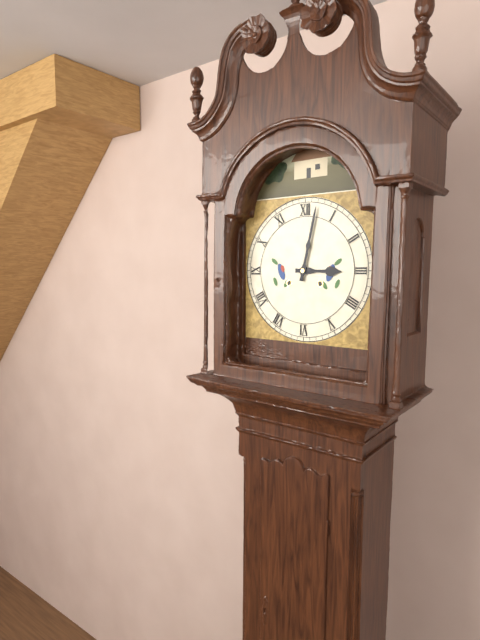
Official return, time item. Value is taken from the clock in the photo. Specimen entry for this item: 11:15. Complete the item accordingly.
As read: 3:02
